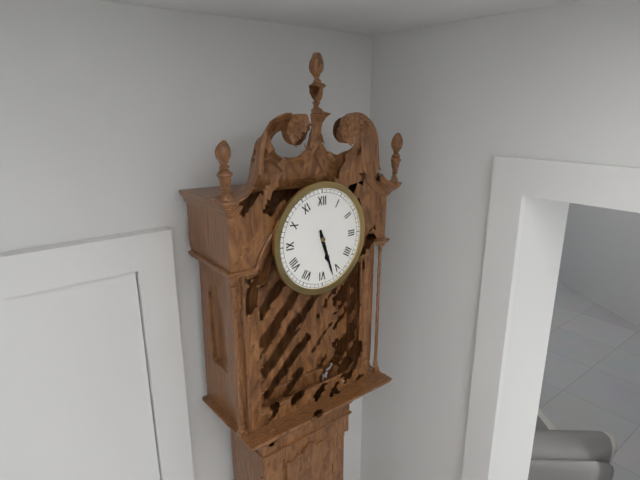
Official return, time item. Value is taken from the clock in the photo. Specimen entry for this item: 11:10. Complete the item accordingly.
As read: 5:27
